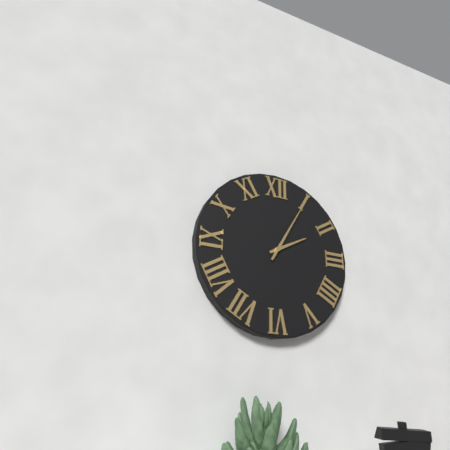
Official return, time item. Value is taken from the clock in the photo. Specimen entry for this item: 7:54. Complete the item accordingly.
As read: 2:05
